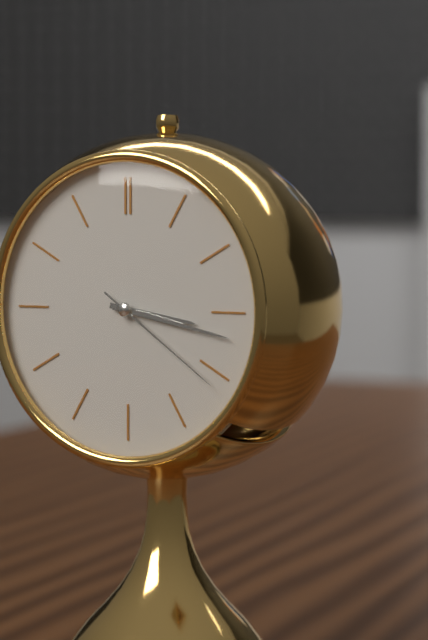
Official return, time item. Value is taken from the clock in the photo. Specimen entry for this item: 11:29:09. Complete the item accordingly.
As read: 3:17:21
